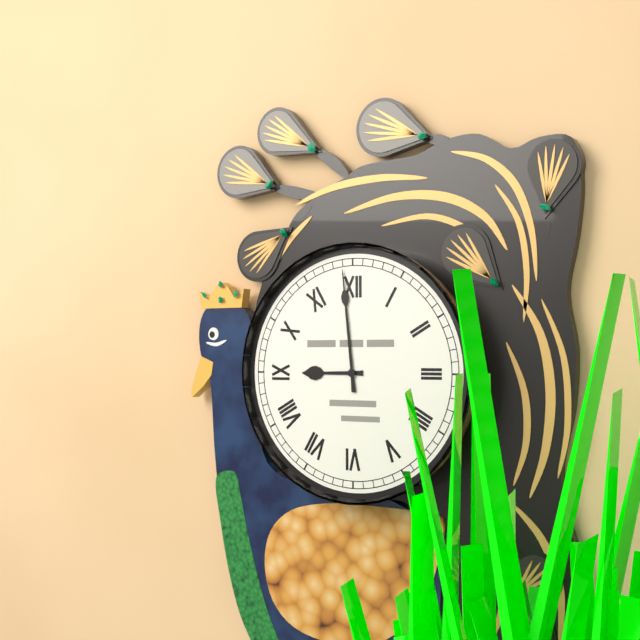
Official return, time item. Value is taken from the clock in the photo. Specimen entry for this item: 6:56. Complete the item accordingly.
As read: 8:59
